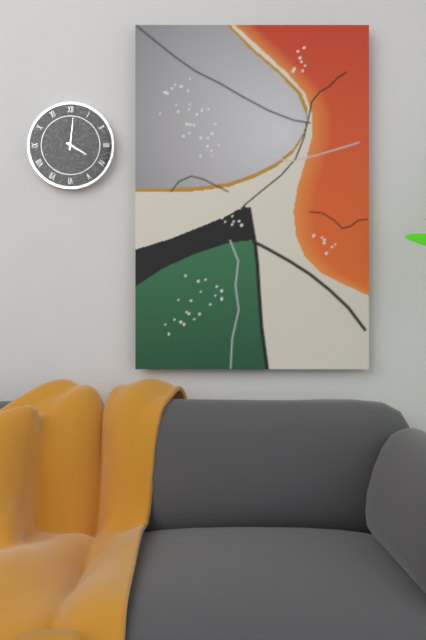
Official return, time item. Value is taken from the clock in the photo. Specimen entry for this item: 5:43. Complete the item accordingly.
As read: 4:01
